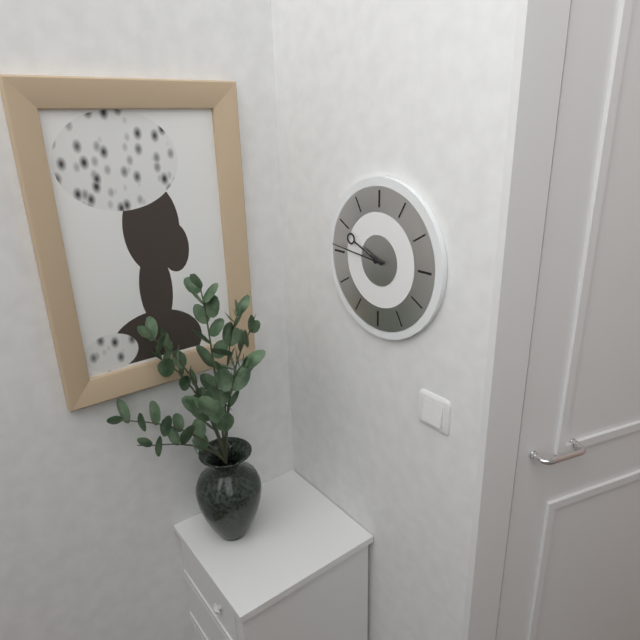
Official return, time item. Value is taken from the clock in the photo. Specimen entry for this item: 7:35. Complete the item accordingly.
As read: 9:46
